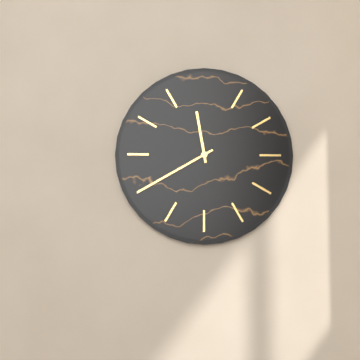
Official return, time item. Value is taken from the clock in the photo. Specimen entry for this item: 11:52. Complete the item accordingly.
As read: 11:40
